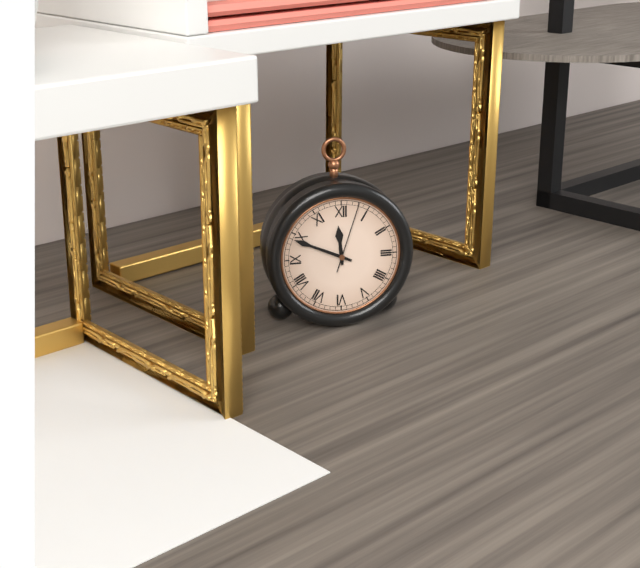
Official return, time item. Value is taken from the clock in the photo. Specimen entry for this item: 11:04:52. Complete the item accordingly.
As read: 11:49:03
